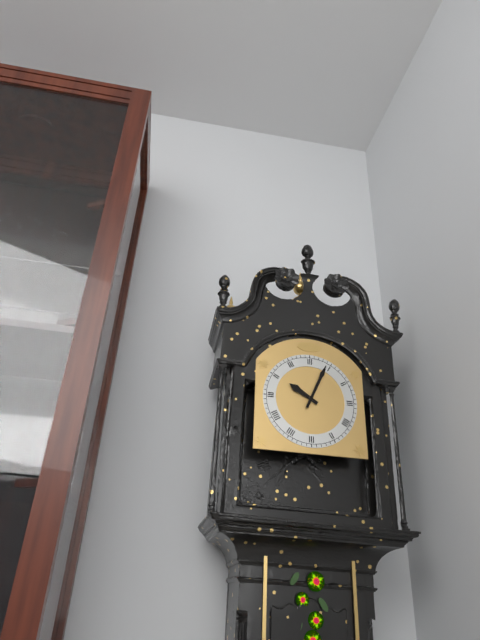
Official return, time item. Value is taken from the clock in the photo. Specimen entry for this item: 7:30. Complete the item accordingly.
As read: 10:04
